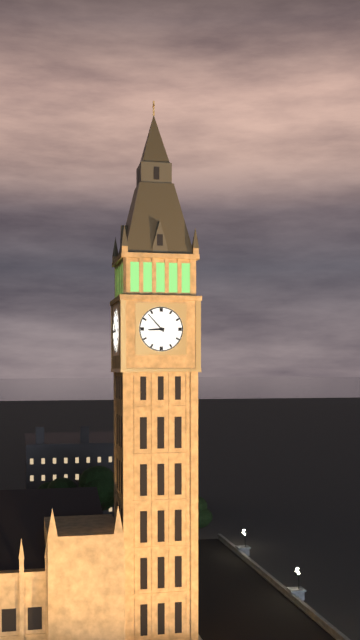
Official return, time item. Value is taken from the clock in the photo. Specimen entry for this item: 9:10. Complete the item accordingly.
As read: 8:53
